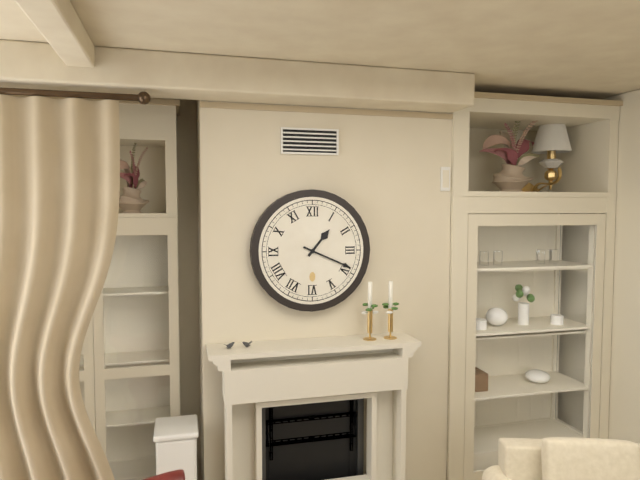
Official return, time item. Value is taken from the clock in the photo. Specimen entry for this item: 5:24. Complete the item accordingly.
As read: 1:19
